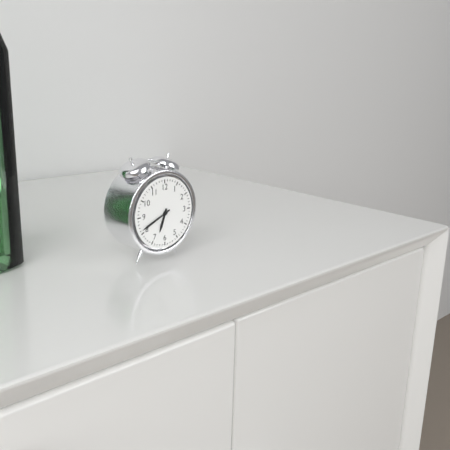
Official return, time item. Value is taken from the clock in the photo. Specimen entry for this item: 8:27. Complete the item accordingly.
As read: 6:41
